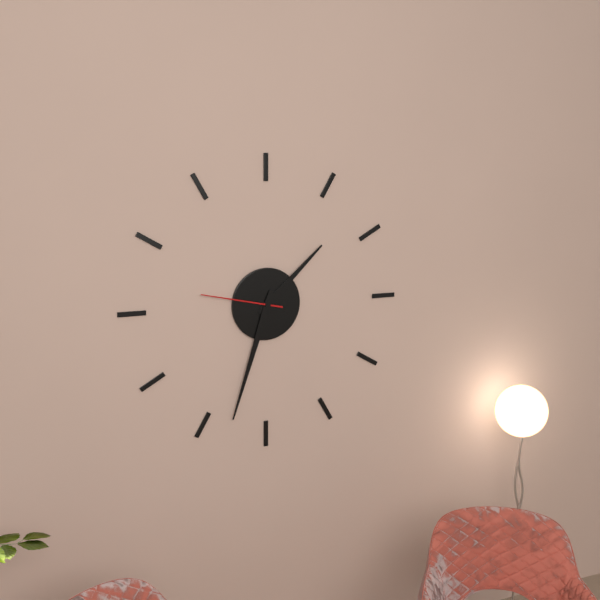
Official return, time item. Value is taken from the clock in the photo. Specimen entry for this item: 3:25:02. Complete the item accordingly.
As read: 1:33:47
